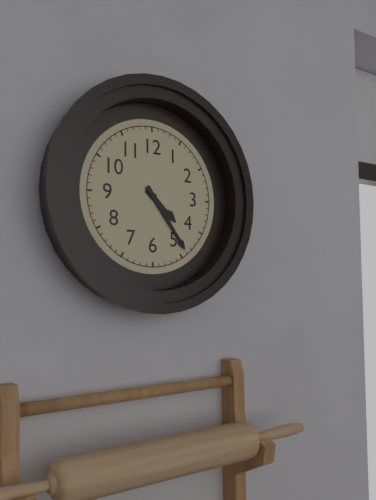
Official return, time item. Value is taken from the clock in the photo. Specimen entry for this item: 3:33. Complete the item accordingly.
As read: 4:24
